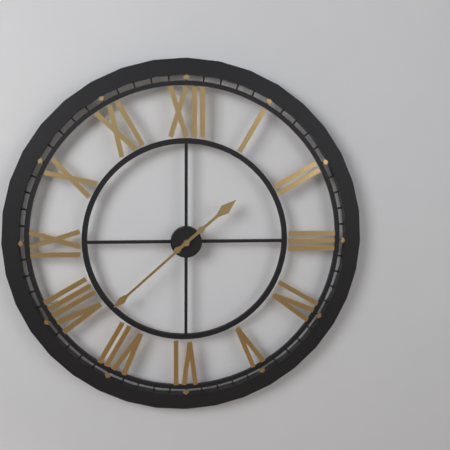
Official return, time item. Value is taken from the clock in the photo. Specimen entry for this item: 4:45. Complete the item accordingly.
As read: 1:38
